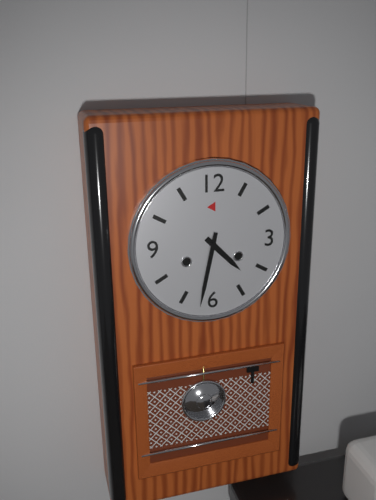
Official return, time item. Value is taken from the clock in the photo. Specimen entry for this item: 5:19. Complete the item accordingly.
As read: 4:32
